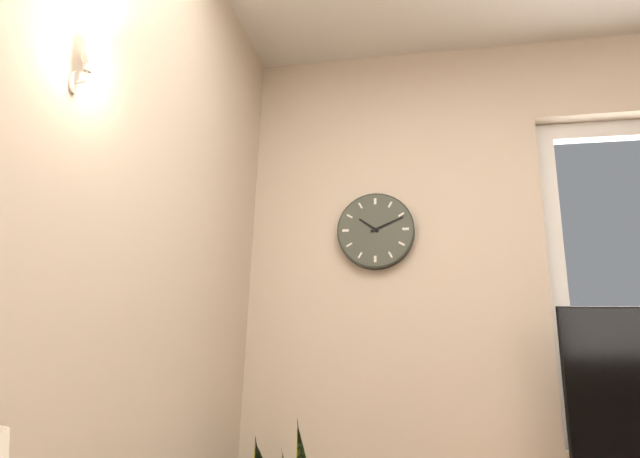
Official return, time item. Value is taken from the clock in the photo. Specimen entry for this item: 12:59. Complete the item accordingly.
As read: 10:11
